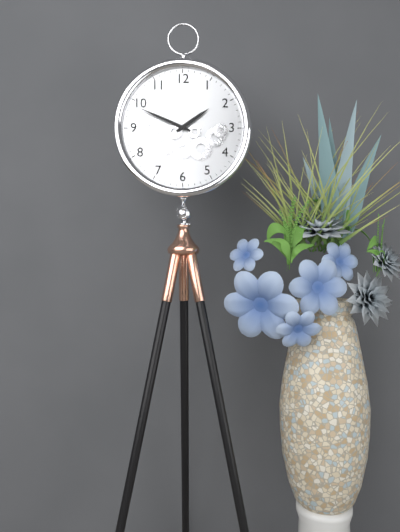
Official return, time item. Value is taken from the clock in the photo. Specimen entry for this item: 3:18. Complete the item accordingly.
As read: 1:49
